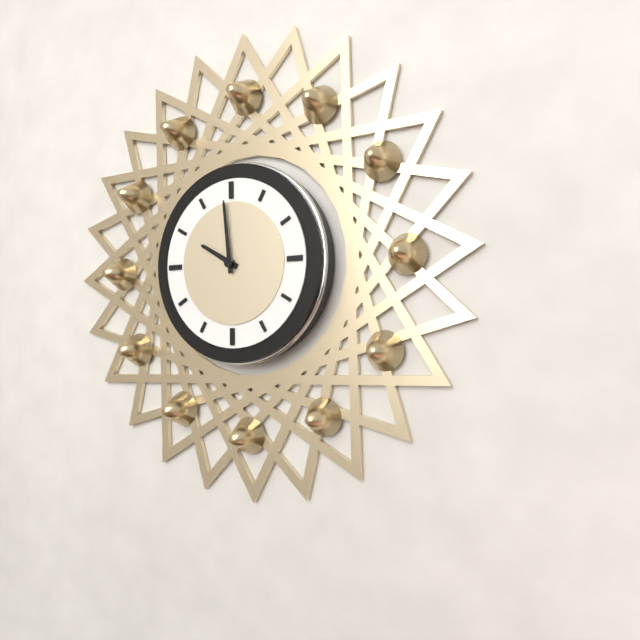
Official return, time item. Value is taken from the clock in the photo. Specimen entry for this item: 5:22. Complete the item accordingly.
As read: 9:59
